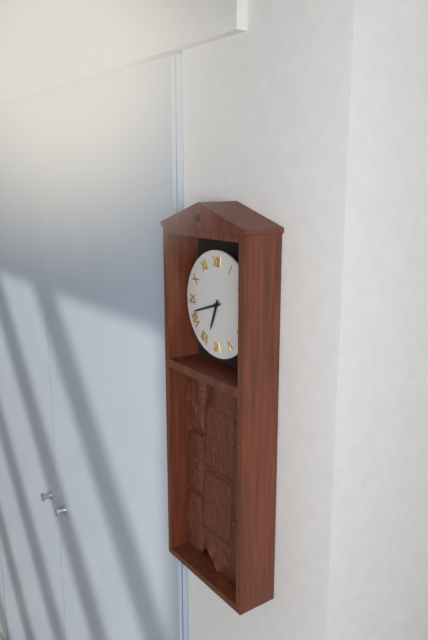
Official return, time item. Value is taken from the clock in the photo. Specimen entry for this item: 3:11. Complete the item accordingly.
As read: 6:42
